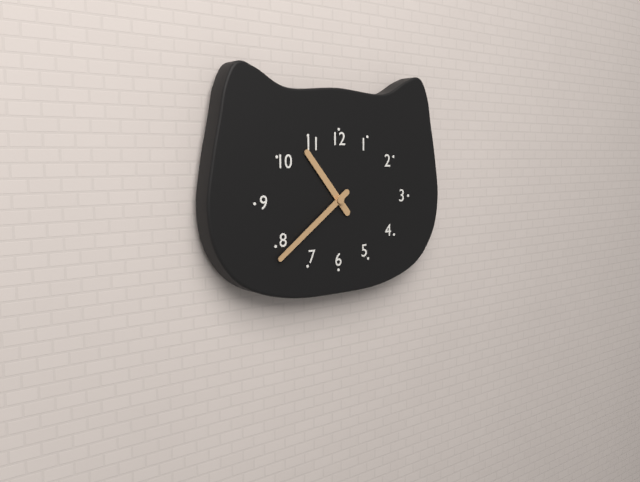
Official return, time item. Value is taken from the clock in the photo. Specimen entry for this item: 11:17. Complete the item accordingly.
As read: 10:39
